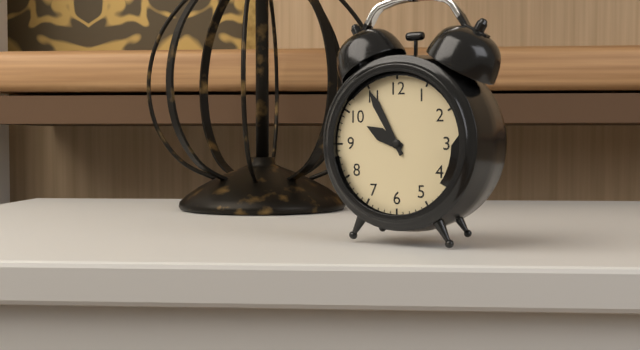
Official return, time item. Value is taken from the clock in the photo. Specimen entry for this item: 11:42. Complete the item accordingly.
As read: 9:55
